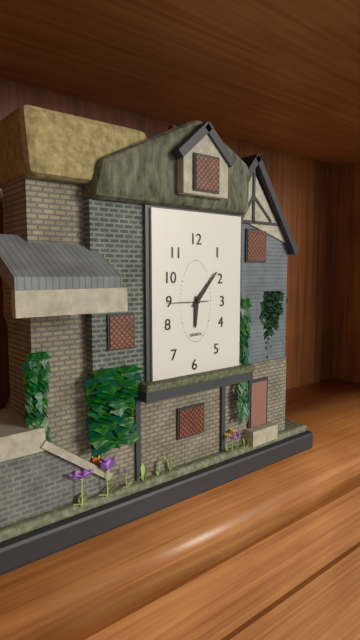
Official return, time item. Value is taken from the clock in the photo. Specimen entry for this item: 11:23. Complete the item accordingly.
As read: 6:07
